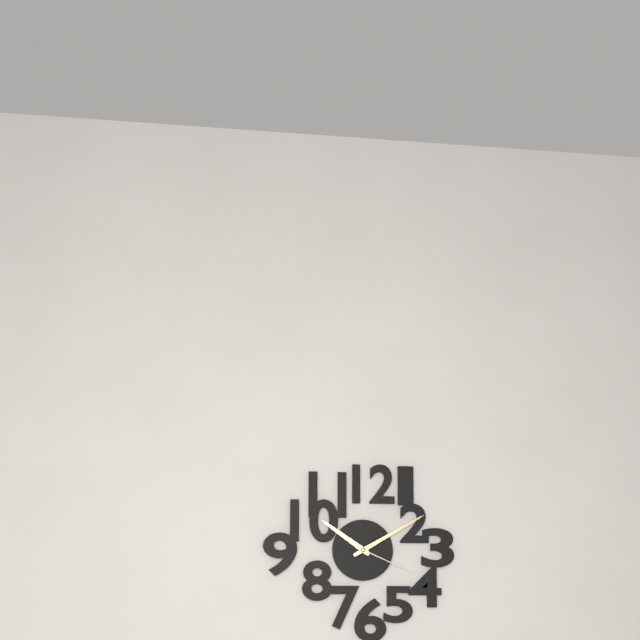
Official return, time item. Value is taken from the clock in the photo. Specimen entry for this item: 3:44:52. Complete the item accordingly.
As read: 10:10:19
